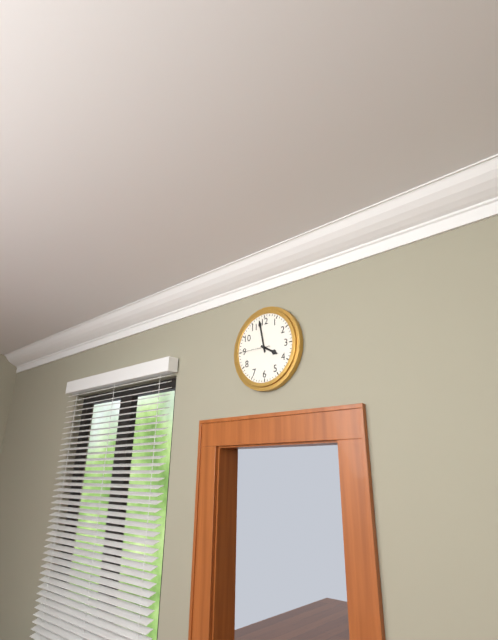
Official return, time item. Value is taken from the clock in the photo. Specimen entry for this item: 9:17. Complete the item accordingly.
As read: 3:58
